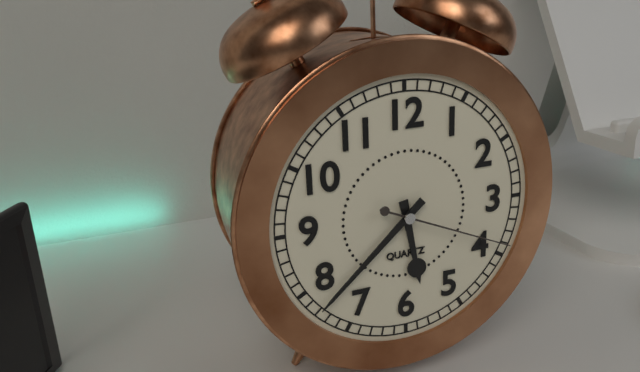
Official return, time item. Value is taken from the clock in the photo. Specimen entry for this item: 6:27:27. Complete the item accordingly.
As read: 5:38:19
